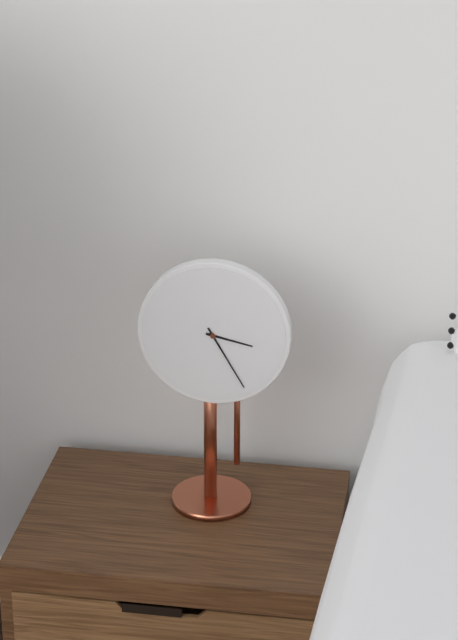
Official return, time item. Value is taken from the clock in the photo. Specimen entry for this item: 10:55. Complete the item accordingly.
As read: 3:25
